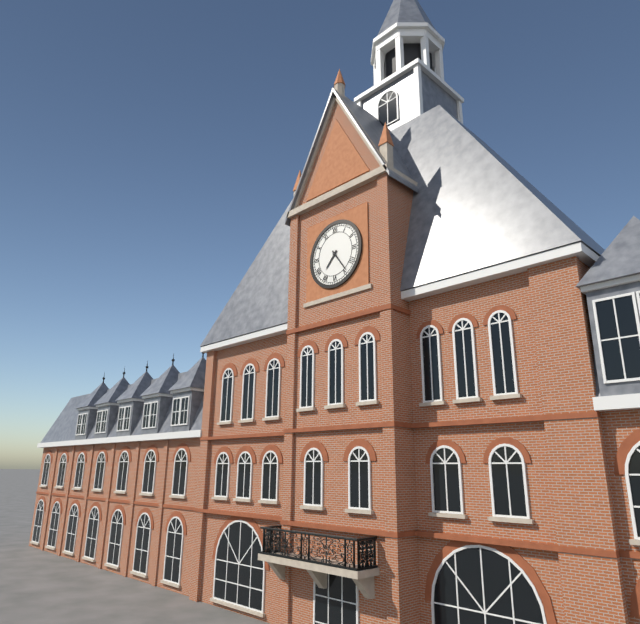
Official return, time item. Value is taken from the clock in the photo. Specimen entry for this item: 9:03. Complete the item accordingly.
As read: 7:24
